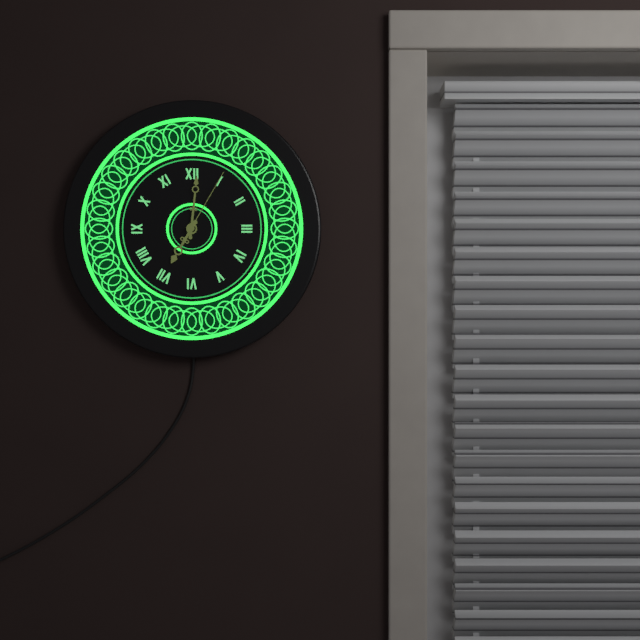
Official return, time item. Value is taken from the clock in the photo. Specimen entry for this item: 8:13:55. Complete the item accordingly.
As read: 7:01:05
